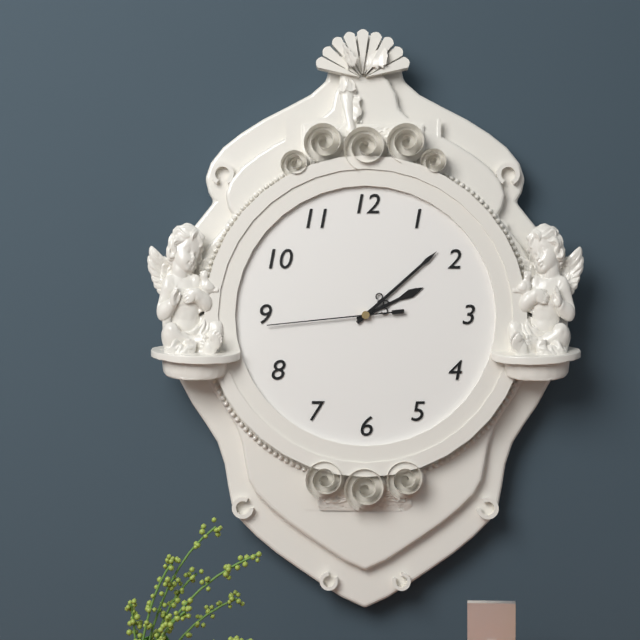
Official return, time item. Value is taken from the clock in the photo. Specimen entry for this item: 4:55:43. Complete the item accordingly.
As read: 2:08:44
